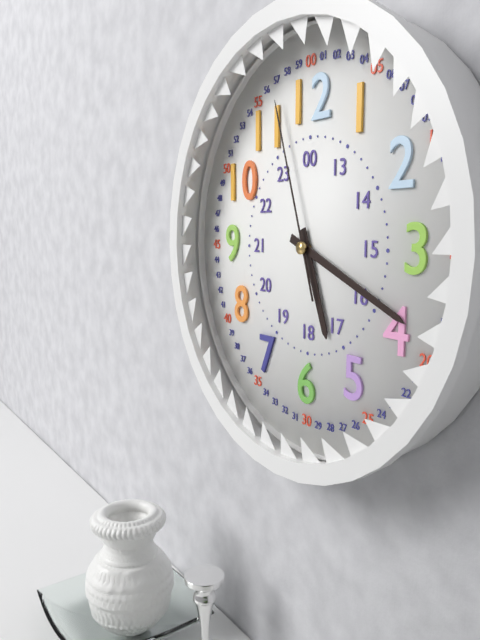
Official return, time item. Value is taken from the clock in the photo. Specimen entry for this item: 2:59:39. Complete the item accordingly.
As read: 5:19:57
